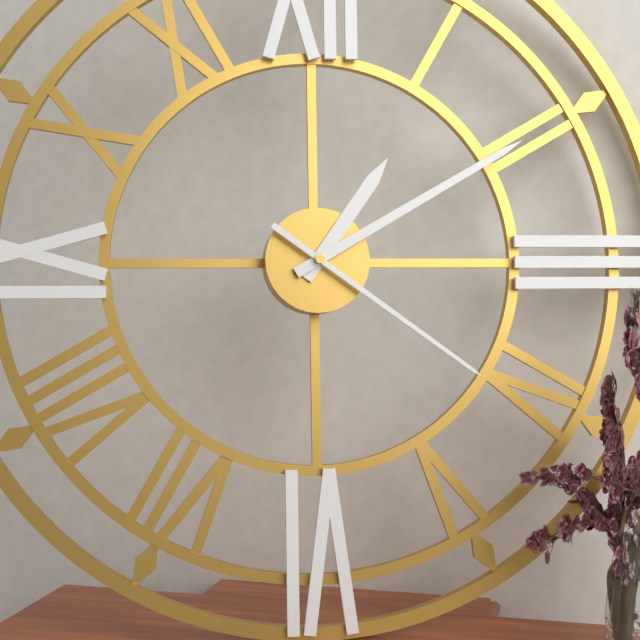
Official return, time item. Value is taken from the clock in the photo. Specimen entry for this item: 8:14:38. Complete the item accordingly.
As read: 1:10:21
